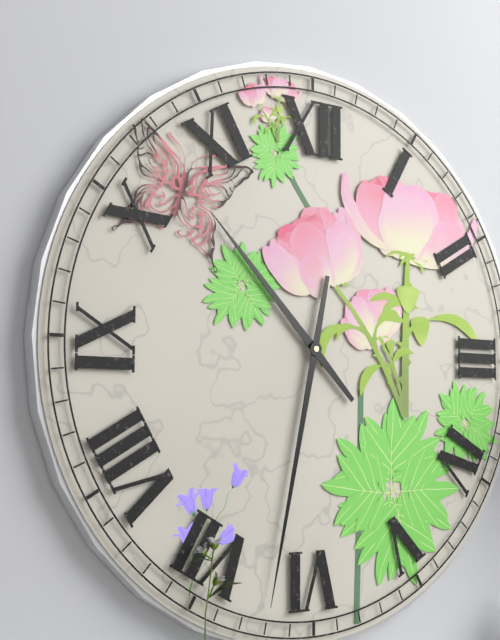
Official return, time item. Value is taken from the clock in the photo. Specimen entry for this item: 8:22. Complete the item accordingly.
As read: 10:32
